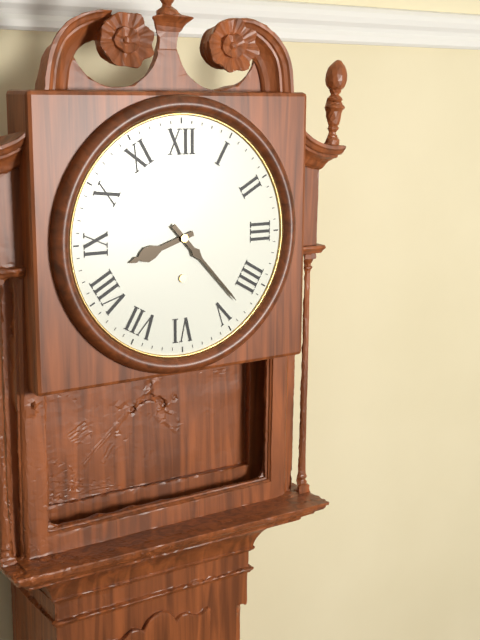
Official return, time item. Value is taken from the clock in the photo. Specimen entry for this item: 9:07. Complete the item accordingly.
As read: 8:23
